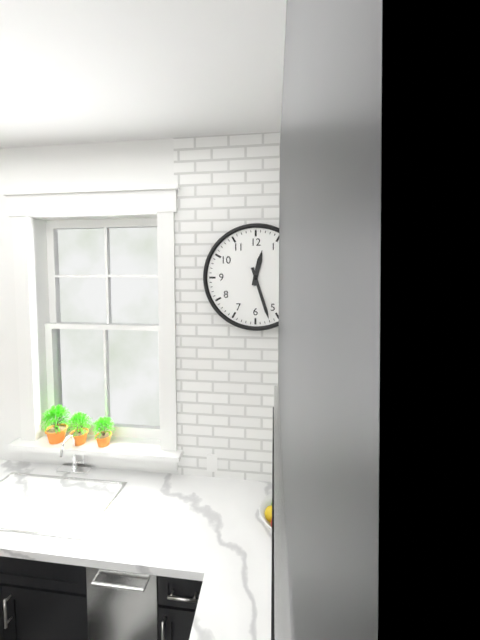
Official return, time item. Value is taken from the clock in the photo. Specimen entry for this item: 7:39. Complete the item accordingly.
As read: 12:27
